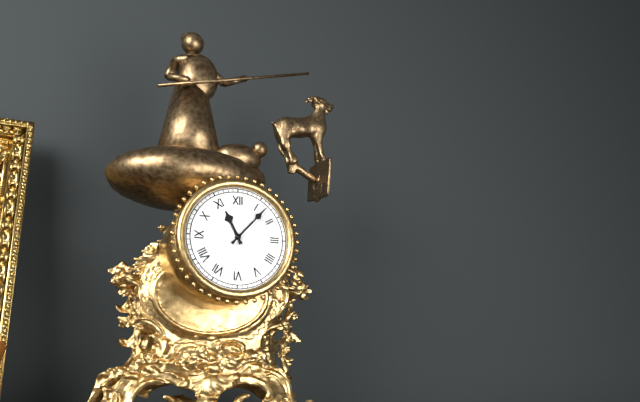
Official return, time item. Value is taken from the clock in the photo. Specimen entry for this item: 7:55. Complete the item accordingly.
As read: 11:07
